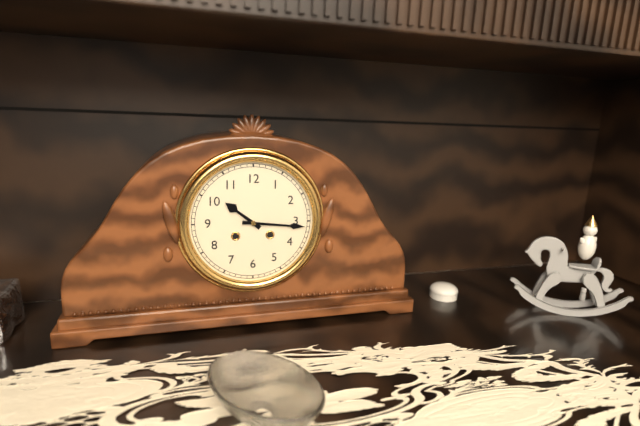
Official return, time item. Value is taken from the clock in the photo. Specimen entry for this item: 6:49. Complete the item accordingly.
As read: 10:16
